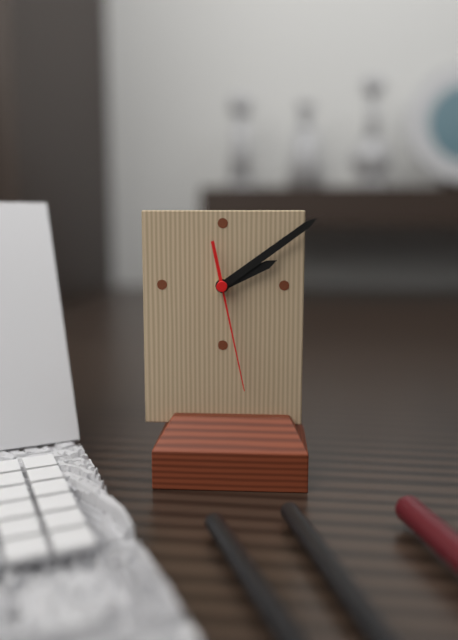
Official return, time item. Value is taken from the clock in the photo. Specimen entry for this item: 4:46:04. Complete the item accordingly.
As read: 2:09:28
